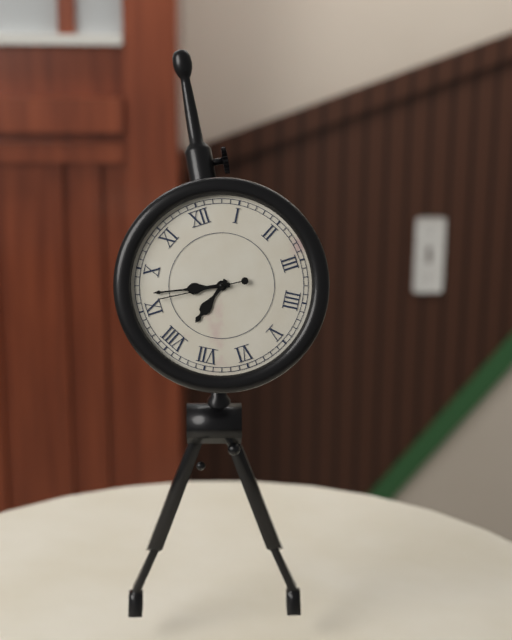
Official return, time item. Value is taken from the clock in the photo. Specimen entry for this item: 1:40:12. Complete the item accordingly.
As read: 7:47:46
